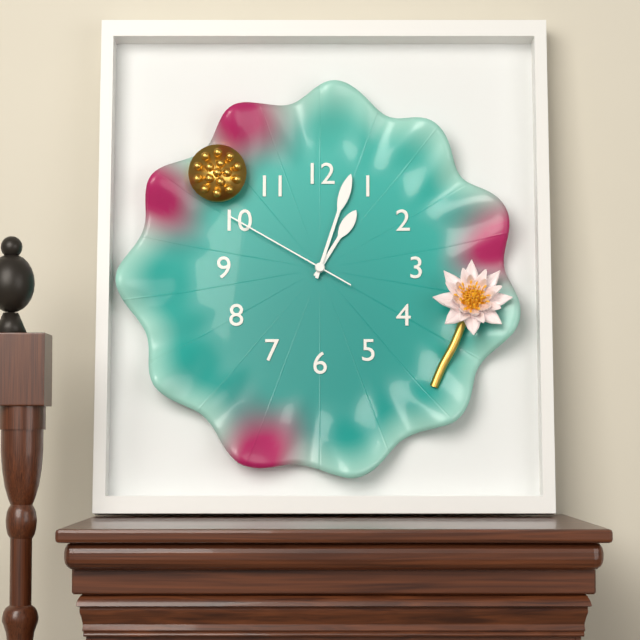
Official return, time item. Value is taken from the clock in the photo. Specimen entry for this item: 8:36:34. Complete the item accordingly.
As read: 1:03:50
